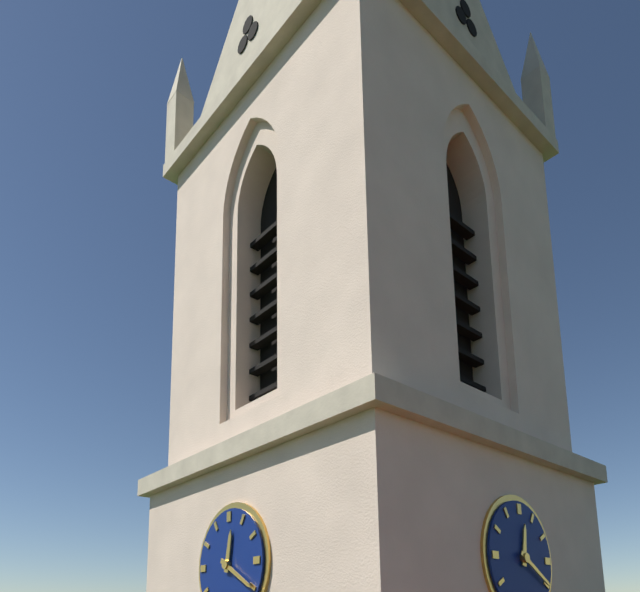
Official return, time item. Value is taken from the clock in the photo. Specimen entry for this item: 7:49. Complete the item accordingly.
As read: 12:20
